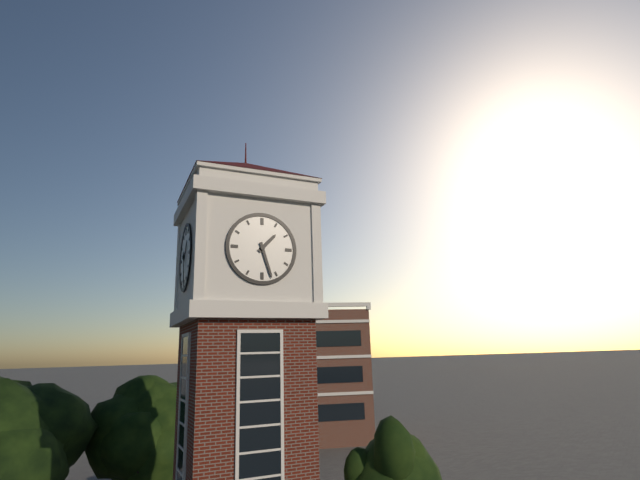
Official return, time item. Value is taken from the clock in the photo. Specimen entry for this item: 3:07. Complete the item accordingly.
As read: 1:27
